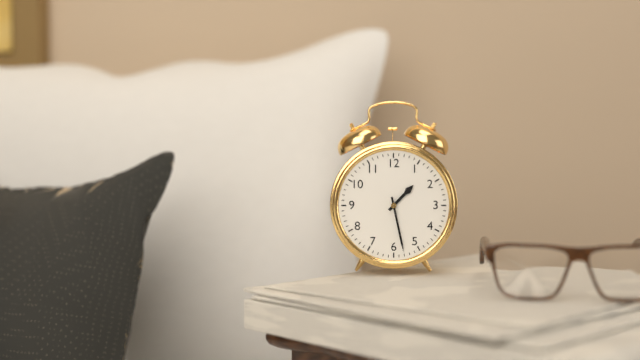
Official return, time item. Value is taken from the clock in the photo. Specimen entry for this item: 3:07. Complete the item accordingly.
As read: 1:28
